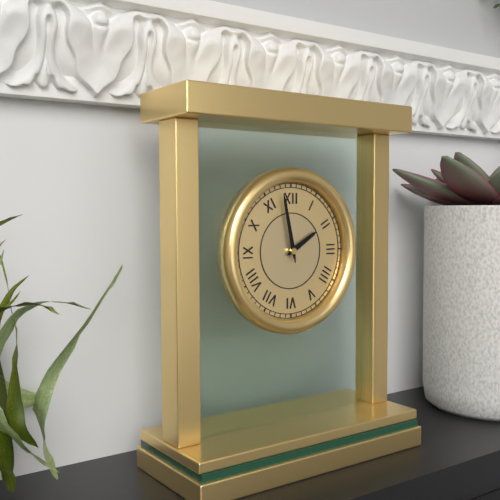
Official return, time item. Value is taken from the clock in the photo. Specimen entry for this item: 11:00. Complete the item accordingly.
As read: 1:58
